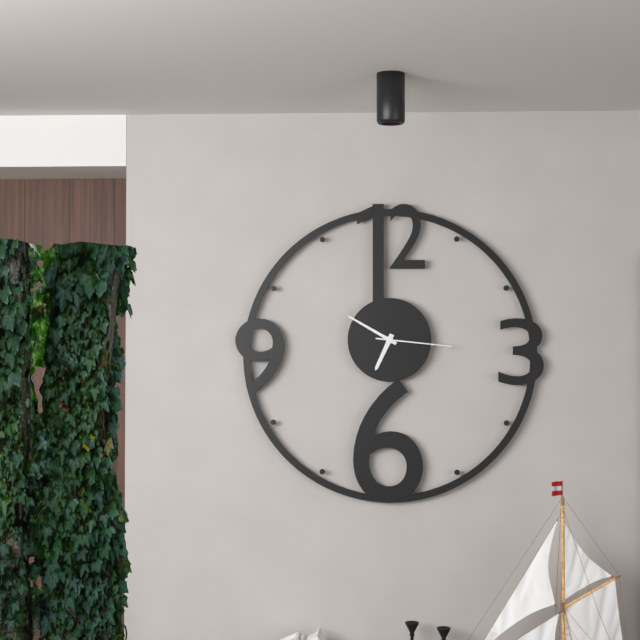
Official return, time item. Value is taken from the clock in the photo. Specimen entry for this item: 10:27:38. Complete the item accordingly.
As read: 6:50:16
